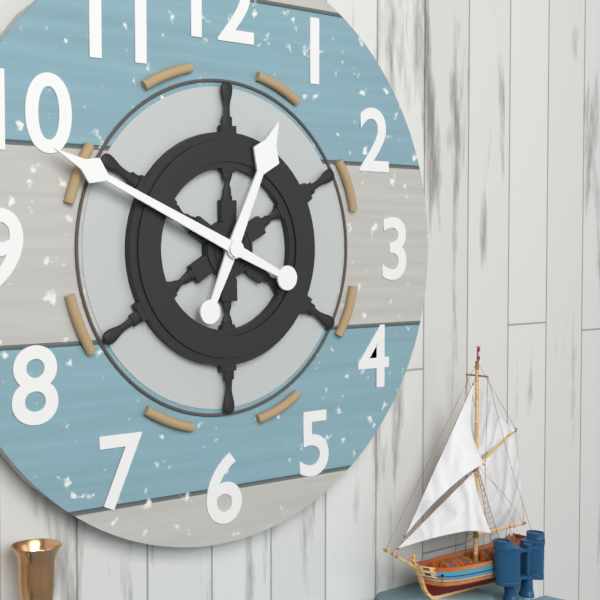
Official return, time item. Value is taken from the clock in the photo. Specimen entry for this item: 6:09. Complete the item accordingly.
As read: 12:49
